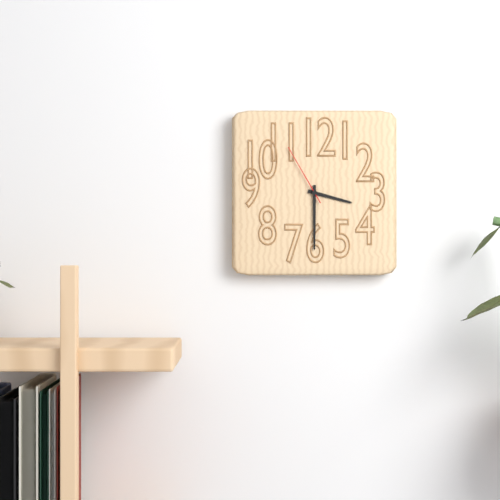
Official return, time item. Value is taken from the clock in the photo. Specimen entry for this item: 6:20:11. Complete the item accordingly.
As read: 3:30:55
